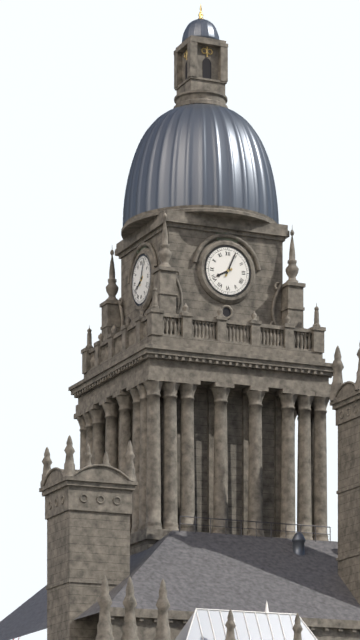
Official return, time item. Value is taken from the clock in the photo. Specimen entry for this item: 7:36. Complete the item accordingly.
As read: 8:04
